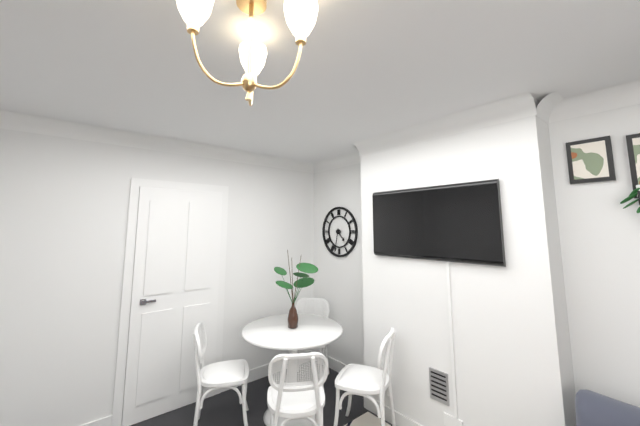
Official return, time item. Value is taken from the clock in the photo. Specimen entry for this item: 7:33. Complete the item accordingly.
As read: 4:32
